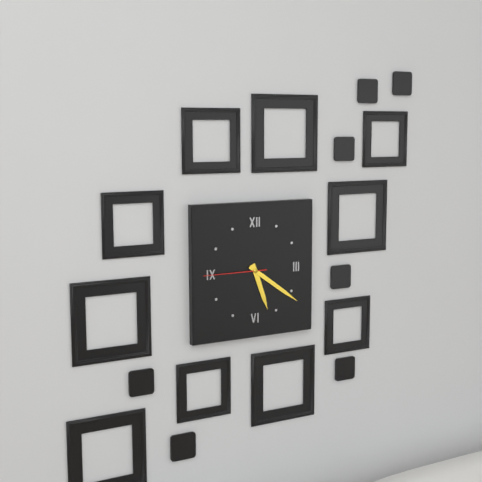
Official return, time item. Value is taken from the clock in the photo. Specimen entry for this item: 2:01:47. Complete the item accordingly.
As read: 5:21:45
